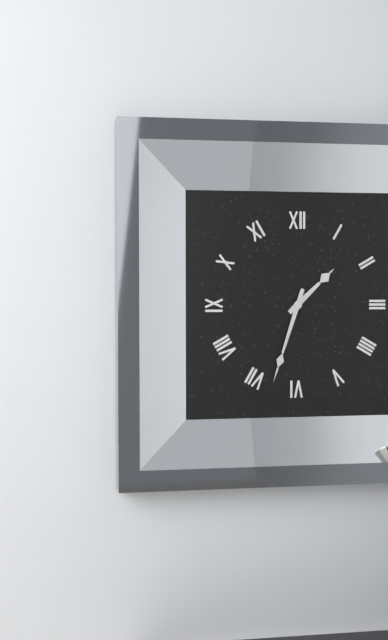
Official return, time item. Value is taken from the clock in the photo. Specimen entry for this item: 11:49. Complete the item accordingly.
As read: 1:33
